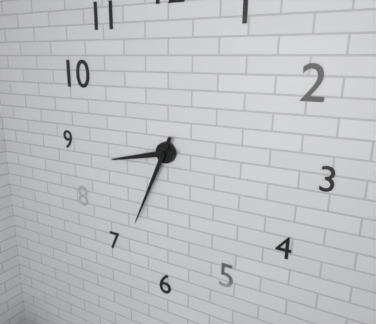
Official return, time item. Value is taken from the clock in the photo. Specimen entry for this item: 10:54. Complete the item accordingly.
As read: 8:34
